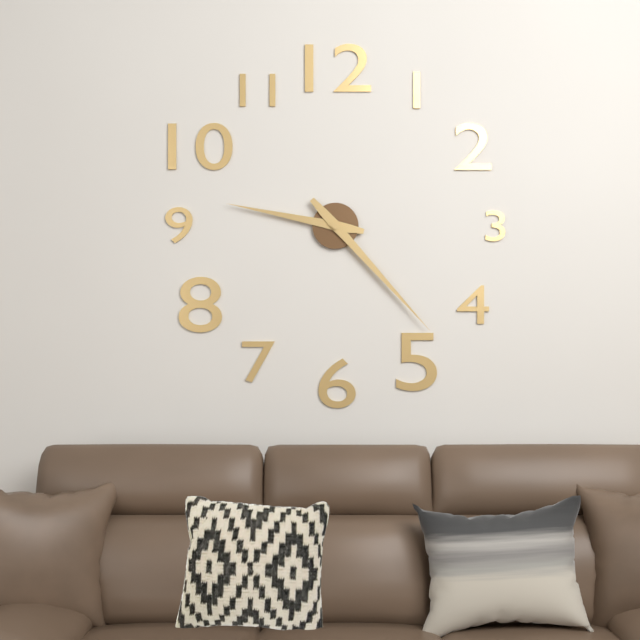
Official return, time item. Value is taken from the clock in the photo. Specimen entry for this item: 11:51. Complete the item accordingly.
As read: 9:23
